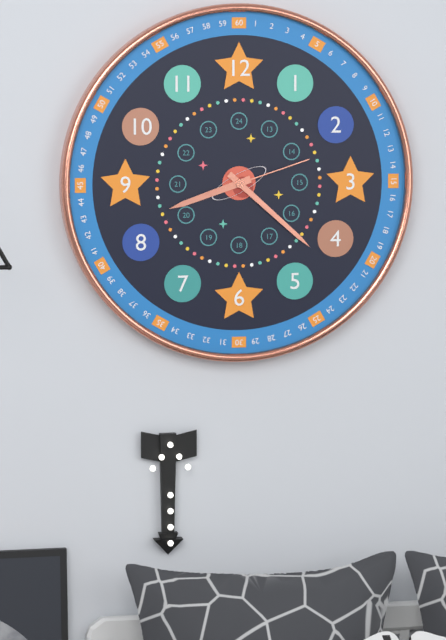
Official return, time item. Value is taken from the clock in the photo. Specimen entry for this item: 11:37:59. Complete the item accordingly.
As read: 8:22:12
